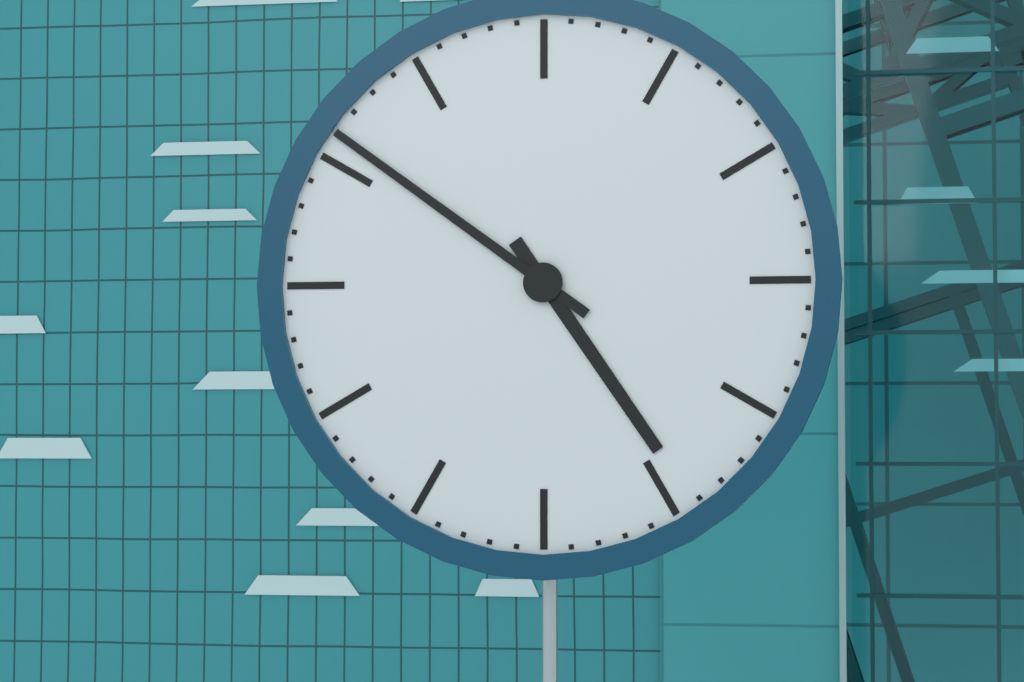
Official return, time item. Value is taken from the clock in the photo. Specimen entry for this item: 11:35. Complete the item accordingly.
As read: 4:51
